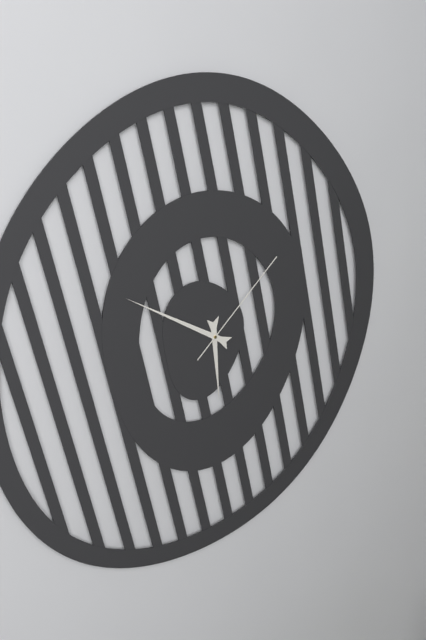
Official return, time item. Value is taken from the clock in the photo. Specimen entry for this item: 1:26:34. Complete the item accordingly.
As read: 5:50:08
